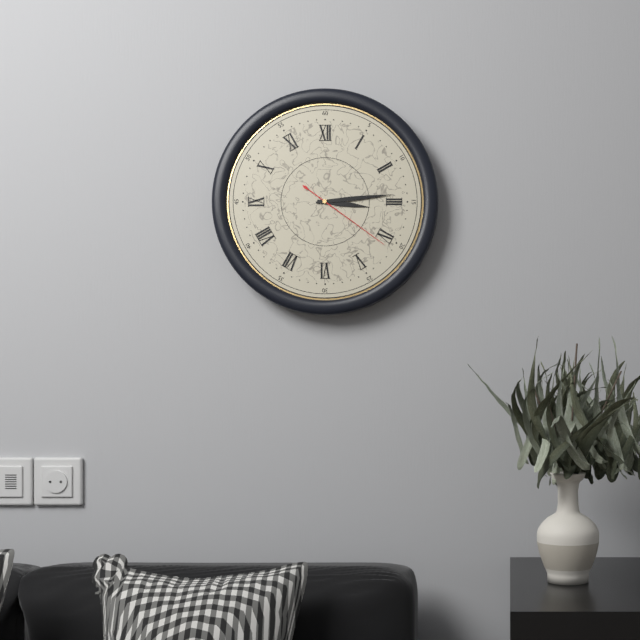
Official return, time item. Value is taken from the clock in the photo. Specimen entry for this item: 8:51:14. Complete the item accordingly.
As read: 3:14:21
